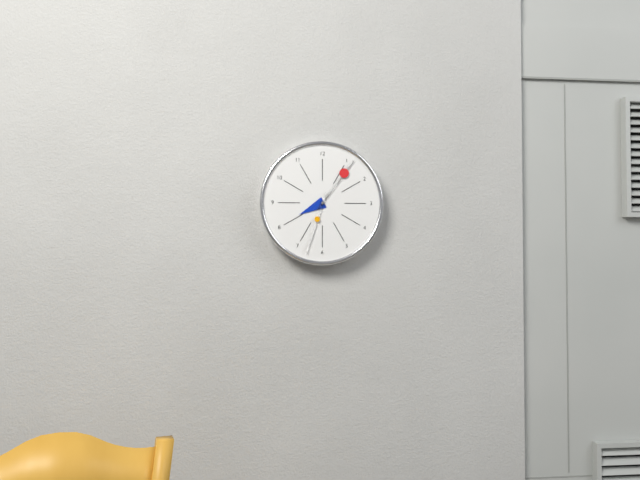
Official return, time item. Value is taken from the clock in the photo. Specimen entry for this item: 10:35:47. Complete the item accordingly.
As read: 8:06:33
